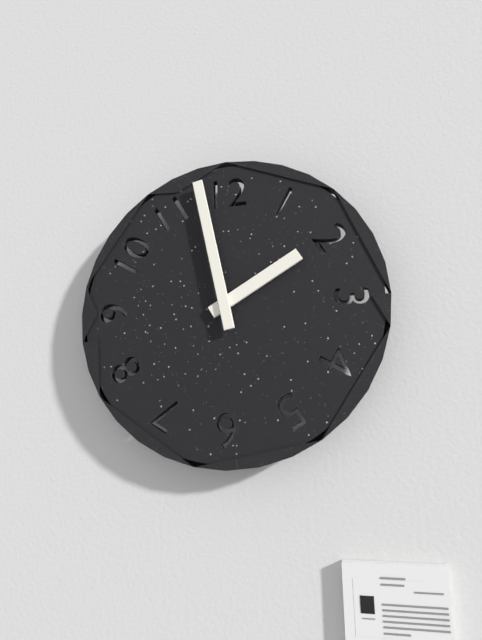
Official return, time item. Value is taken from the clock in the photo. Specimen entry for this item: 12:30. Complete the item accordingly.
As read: 1:58
